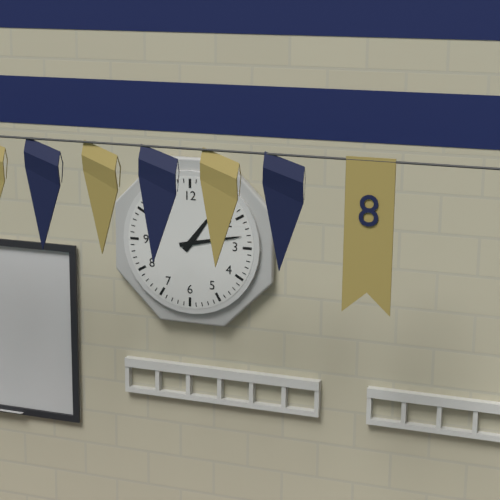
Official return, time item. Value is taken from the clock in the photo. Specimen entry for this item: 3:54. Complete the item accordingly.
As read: 1:13
